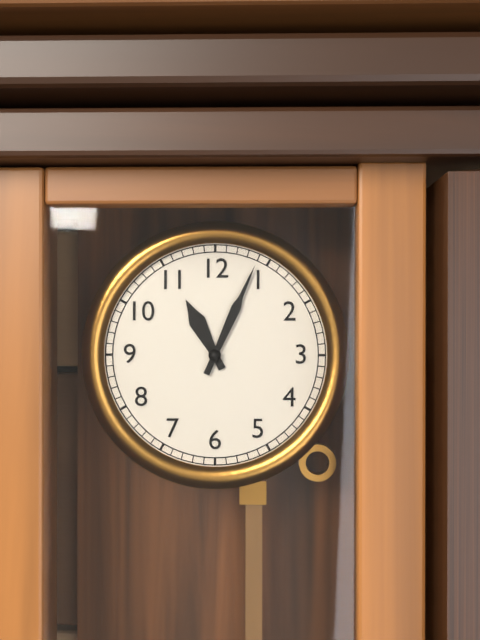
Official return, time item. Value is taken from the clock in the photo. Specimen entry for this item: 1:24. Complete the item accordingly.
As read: 11:04
